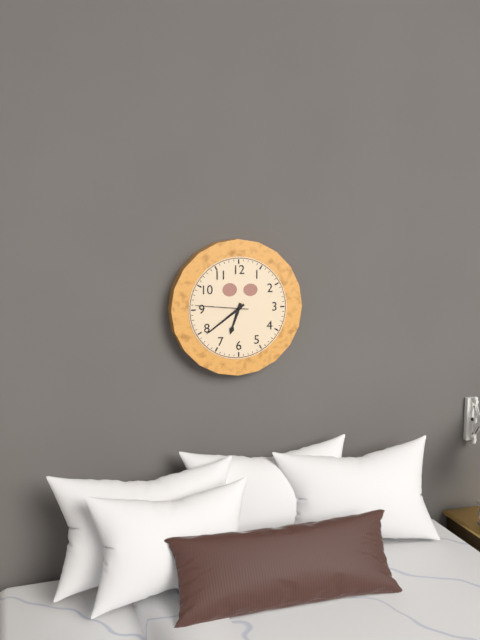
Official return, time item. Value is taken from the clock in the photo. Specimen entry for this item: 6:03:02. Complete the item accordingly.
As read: 6:39:46
